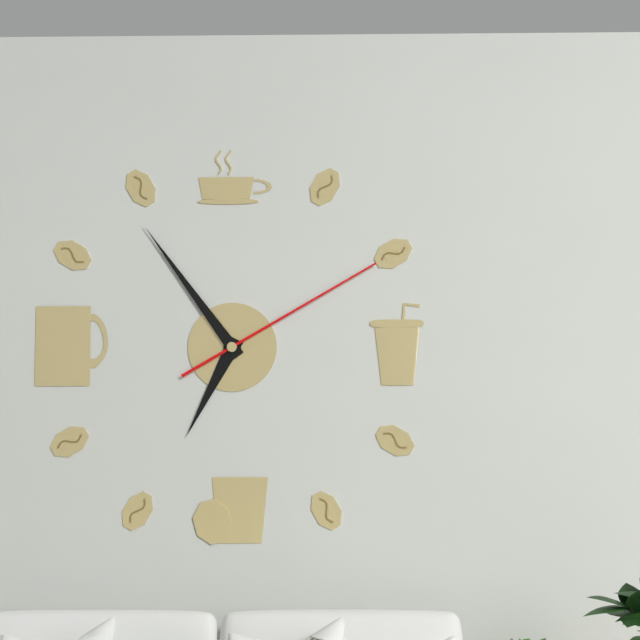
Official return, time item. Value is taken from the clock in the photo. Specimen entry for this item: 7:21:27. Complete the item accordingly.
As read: 6:54:10
